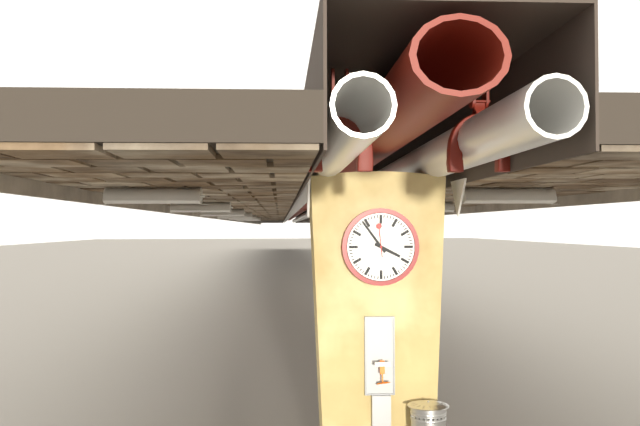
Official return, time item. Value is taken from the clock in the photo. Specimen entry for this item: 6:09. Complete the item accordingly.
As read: 3:54
